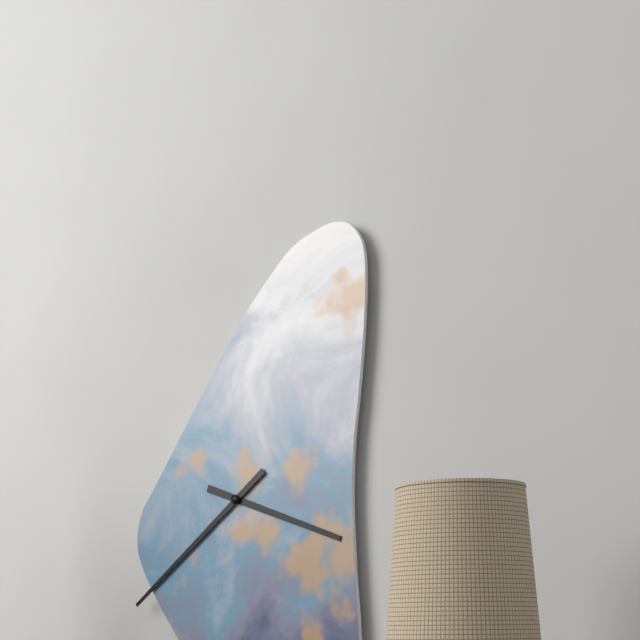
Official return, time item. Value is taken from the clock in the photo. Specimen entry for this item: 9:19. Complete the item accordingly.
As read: 3:39
